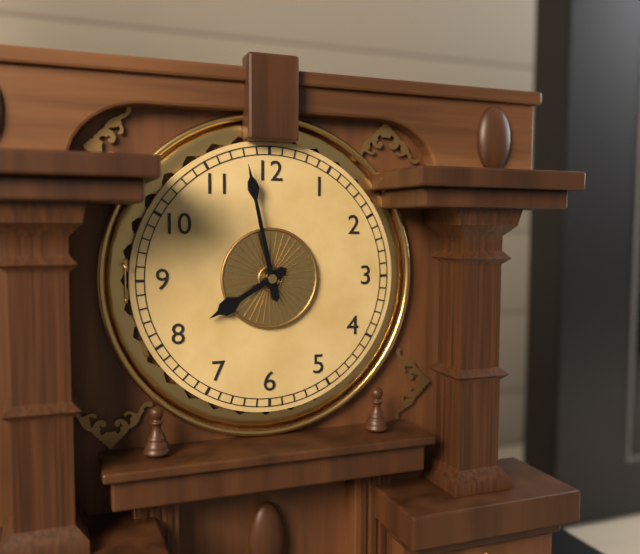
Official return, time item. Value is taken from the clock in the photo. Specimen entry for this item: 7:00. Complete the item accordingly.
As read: 7:58
